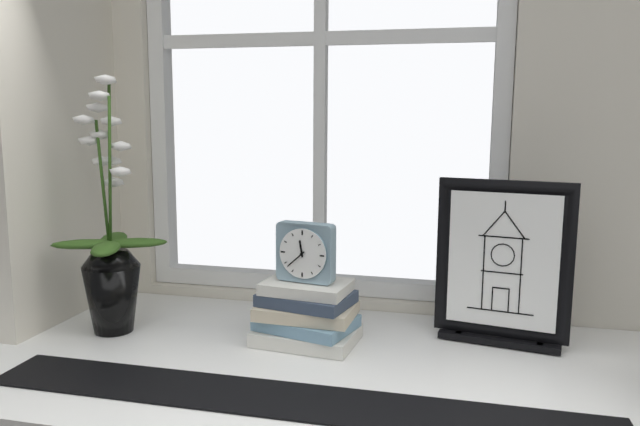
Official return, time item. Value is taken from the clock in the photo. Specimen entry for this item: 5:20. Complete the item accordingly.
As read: 11:38
